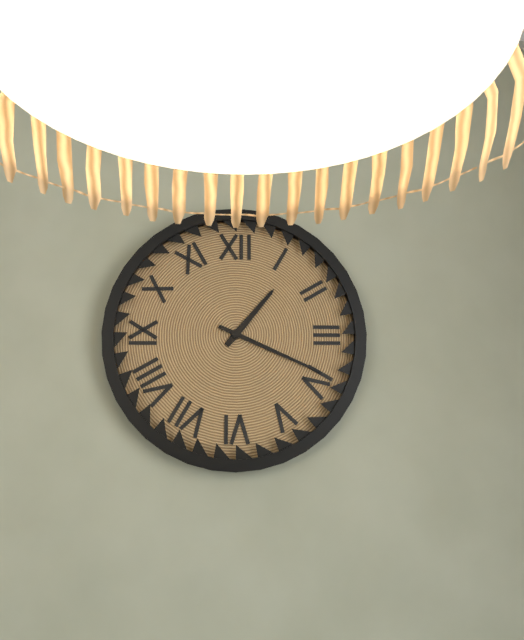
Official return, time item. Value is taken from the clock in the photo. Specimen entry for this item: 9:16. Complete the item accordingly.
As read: 1:19
